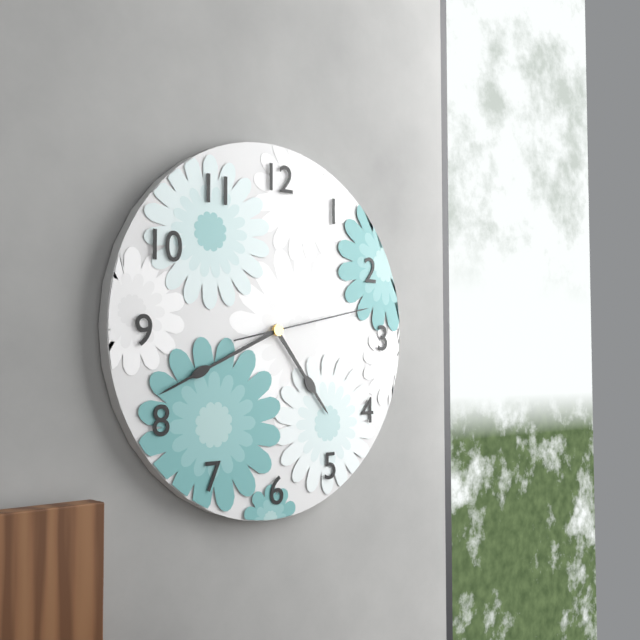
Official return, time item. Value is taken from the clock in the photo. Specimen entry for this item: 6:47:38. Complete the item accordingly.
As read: 4:41:13
